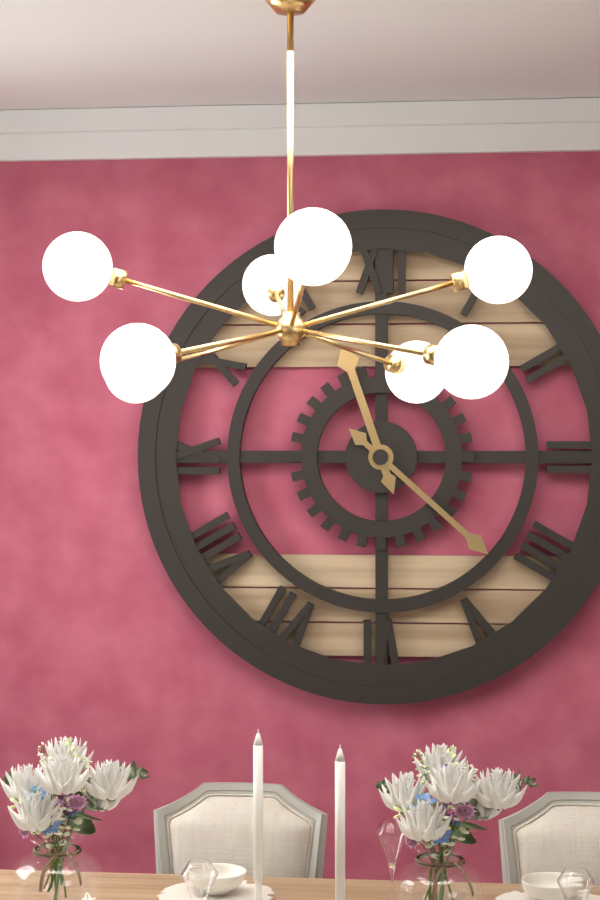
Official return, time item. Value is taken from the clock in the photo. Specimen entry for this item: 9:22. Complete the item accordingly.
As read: 11:22
